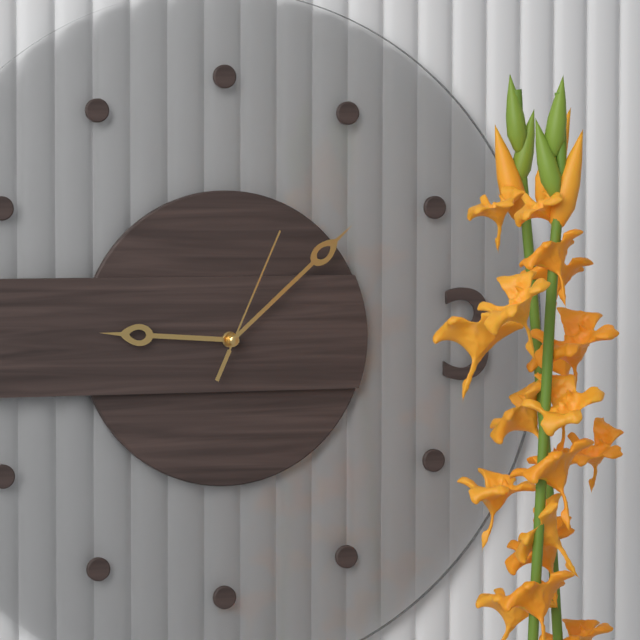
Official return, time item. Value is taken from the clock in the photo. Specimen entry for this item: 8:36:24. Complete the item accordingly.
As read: 9:08:04
